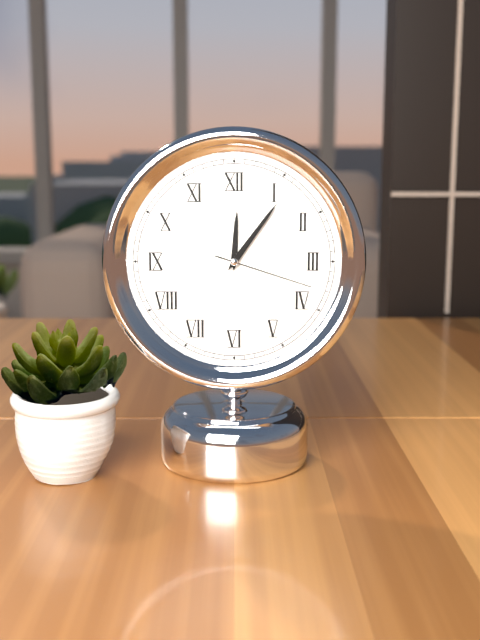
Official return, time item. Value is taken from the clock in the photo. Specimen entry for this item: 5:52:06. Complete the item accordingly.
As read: 12:06:18
